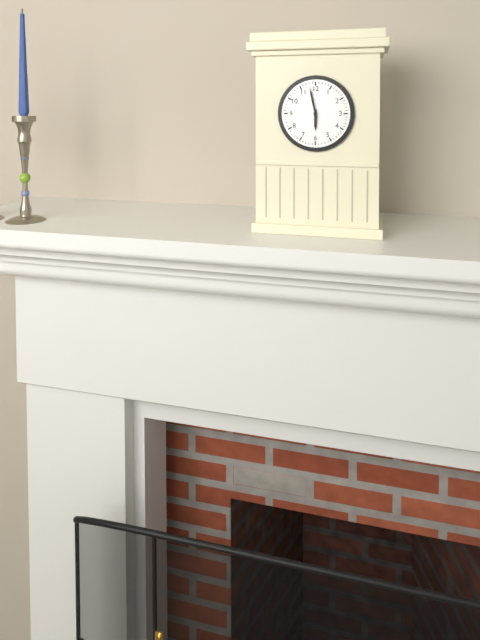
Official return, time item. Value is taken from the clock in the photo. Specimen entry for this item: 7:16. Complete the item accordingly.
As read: 5:58
